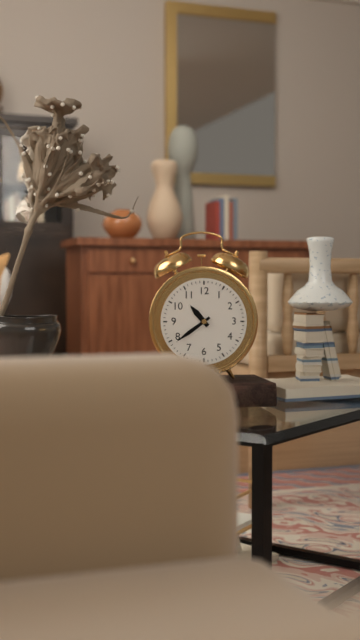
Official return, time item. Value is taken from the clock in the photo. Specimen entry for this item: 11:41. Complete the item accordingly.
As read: 10:39
